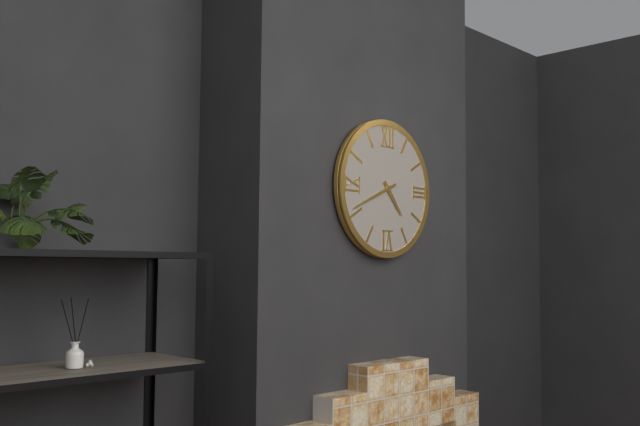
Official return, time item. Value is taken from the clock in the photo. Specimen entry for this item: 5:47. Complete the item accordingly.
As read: 4:41
